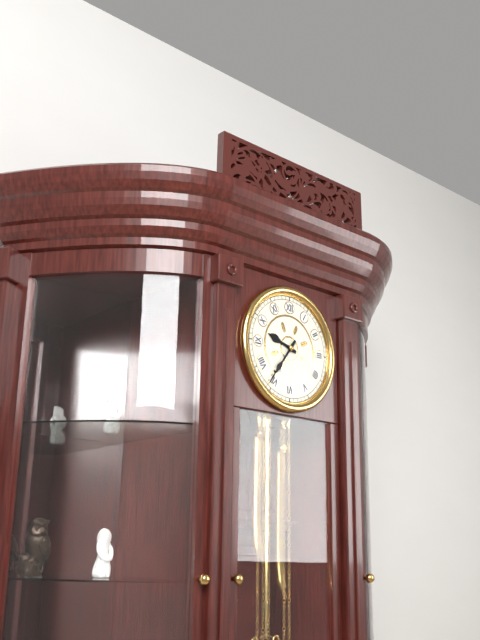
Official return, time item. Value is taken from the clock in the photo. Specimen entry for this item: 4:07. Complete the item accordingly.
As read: 9:36
